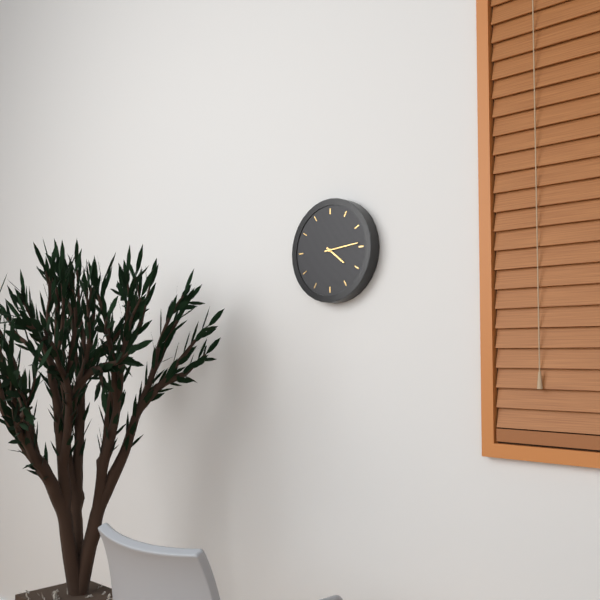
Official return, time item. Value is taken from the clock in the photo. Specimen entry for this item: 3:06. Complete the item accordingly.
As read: 4:14
